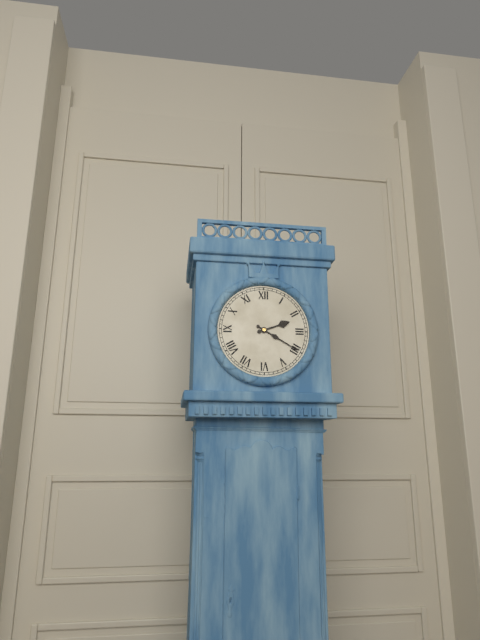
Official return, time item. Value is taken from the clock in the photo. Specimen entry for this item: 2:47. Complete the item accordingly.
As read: 2:20
